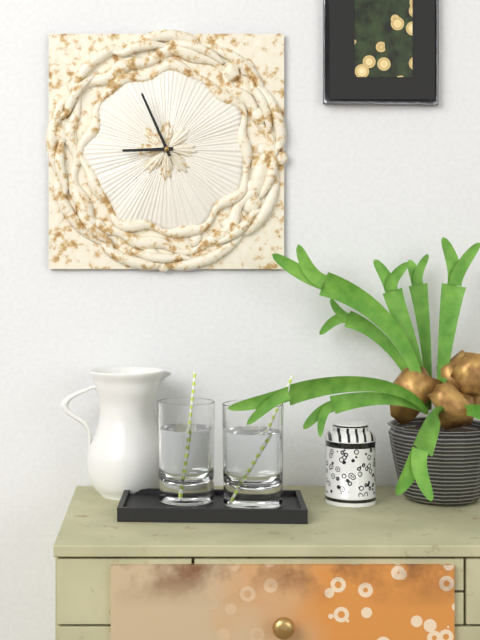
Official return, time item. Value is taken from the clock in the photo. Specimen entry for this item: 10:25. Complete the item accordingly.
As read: 8:56
